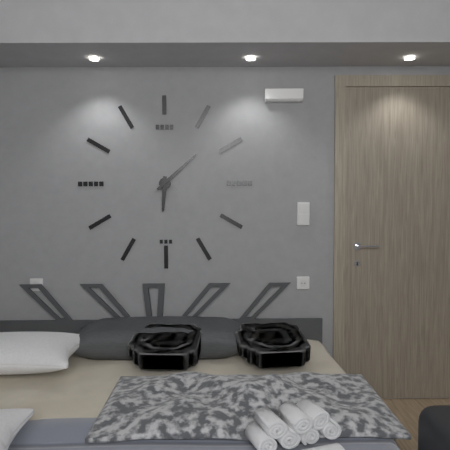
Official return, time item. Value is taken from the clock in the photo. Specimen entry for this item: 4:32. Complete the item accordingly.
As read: 6:08
